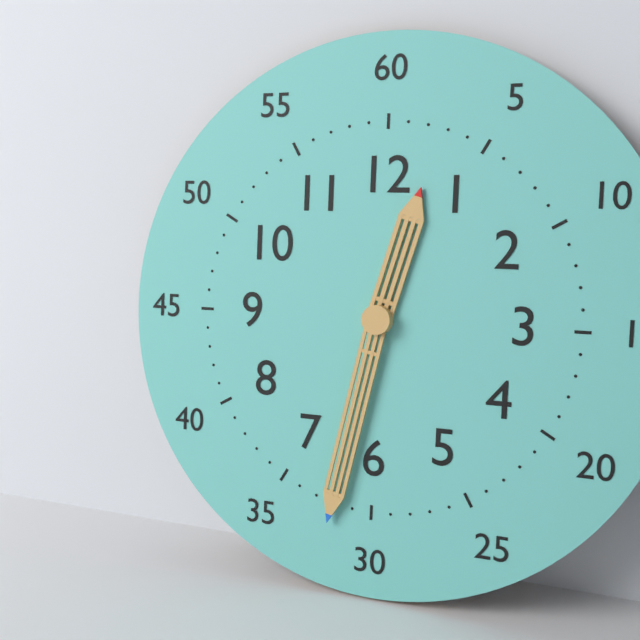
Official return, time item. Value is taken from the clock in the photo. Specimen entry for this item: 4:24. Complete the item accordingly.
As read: 12:32
